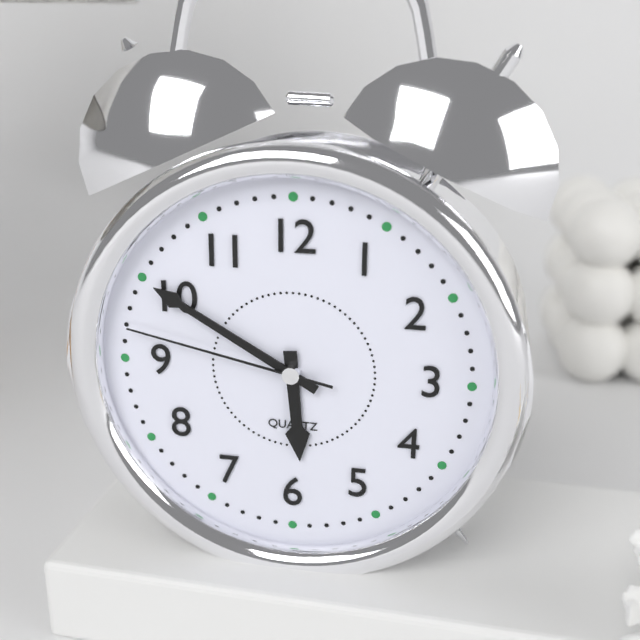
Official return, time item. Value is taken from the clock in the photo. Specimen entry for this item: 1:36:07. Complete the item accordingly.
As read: 5:50:47
